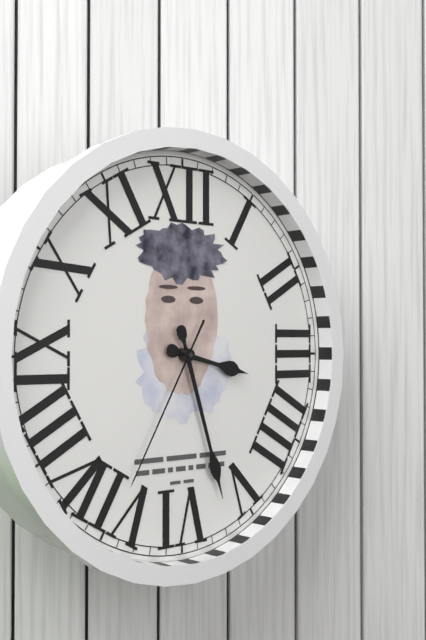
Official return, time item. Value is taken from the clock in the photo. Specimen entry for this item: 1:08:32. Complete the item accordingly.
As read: 3:27:35
